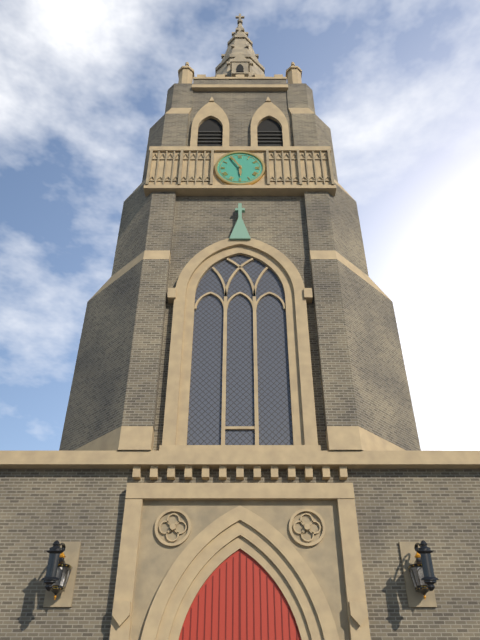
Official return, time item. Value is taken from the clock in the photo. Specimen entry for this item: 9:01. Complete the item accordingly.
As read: 5:55
